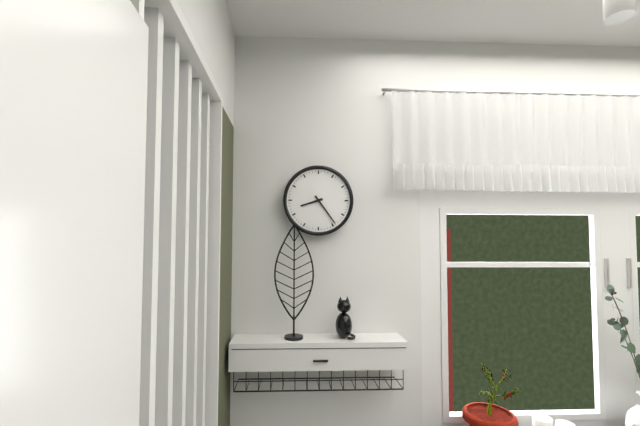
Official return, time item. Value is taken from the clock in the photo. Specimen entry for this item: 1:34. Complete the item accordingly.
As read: 8:24
